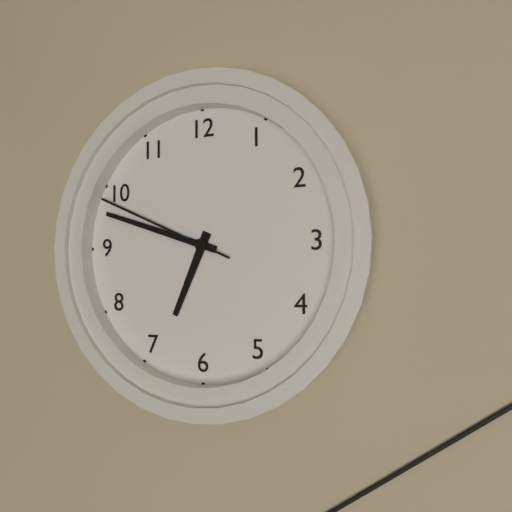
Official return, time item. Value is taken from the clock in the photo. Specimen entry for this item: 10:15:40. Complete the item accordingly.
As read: 6:48:49
